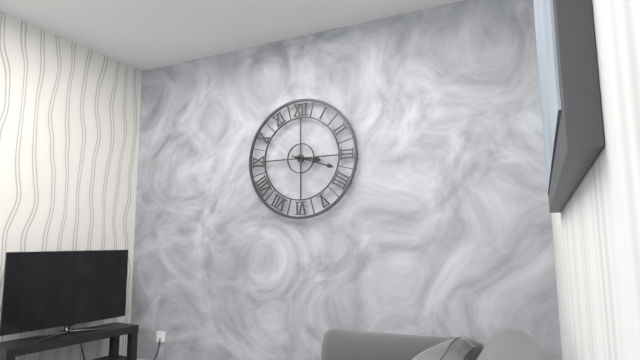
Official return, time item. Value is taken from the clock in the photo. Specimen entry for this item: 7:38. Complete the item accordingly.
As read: 3:18
